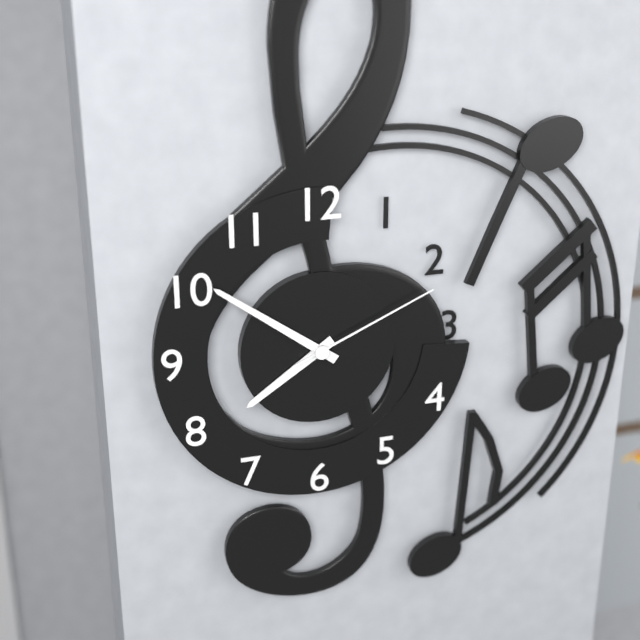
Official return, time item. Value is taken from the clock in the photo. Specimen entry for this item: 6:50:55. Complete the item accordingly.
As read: 7:51:11
